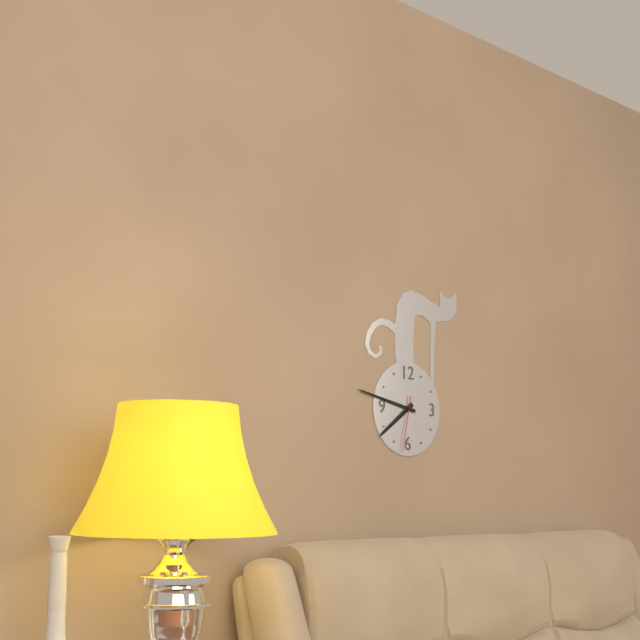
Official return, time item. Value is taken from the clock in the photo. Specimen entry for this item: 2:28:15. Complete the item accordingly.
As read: 7:47:32
